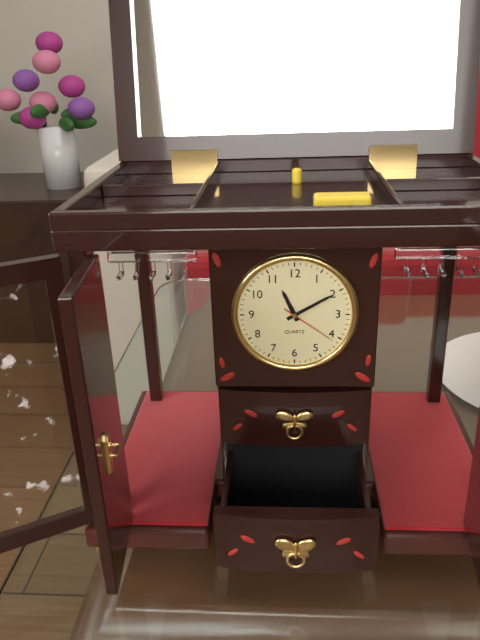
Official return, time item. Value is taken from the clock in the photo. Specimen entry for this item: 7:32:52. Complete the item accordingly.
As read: 11:10:21
